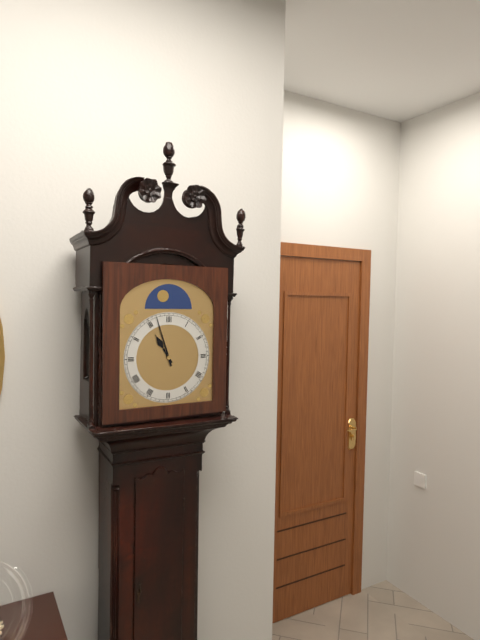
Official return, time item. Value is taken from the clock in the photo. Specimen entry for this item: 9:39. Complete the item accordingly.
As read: 10:57
